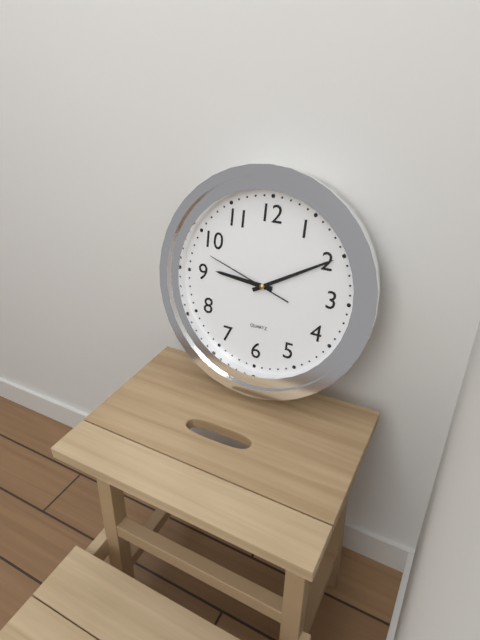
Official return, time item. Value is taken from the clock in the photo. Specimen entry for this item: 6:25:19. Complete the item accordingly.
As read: 9:10:48
